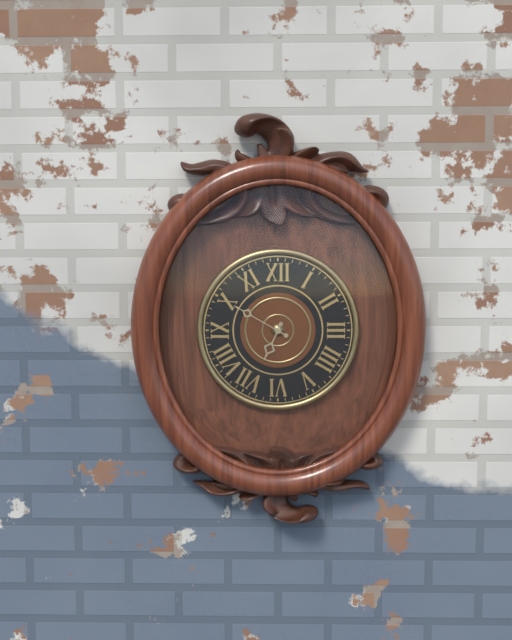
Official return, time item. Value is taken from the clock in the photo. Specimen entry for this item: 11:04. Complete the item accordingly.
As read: 6:50
